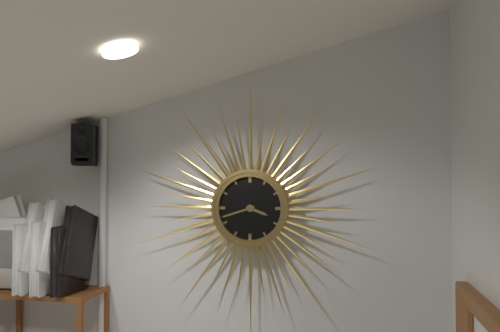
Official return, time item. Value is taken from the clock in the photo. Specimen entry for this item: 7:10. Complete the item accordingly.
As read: 3:42
